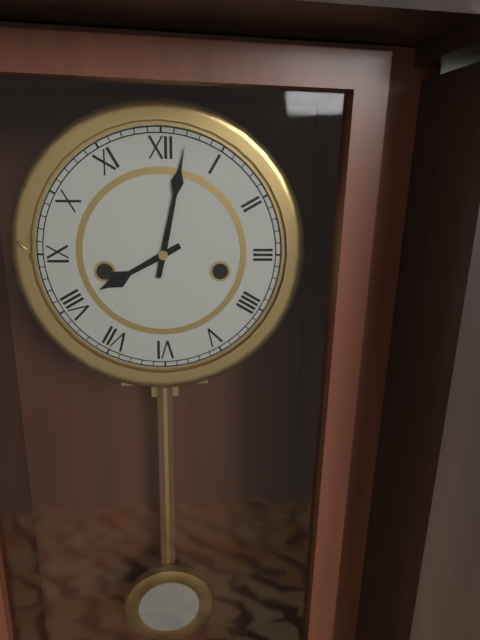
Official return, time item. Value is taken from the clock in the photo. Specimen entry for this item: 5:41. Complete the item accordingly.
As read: 8:02
